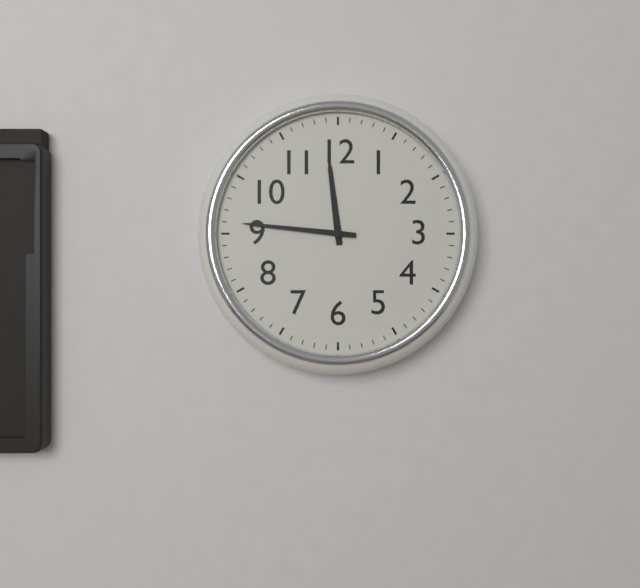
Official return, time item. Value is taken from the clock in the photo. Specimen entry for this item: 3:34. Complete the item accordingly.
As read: 11:46
